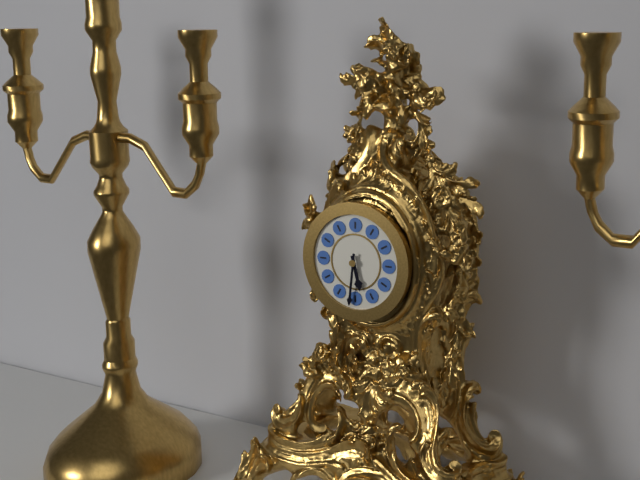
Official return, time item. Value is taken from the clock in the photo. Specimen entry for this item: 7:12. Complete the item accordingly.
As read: 5:31
